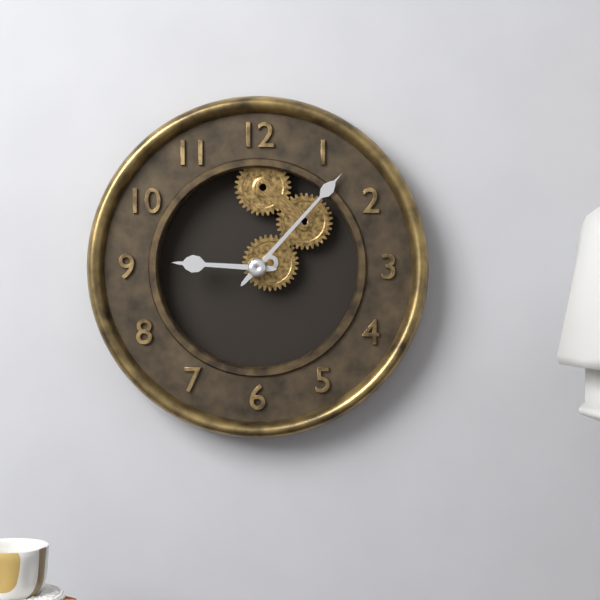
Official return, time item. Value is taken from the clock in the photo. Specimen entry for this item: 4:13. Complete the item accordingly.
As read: 9:07
